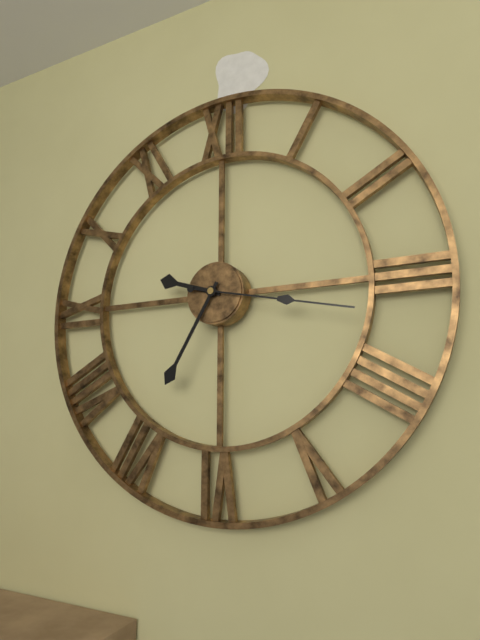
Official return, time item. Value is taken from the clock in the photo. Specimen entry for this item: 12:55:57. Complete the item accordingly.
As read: 9:35:17
